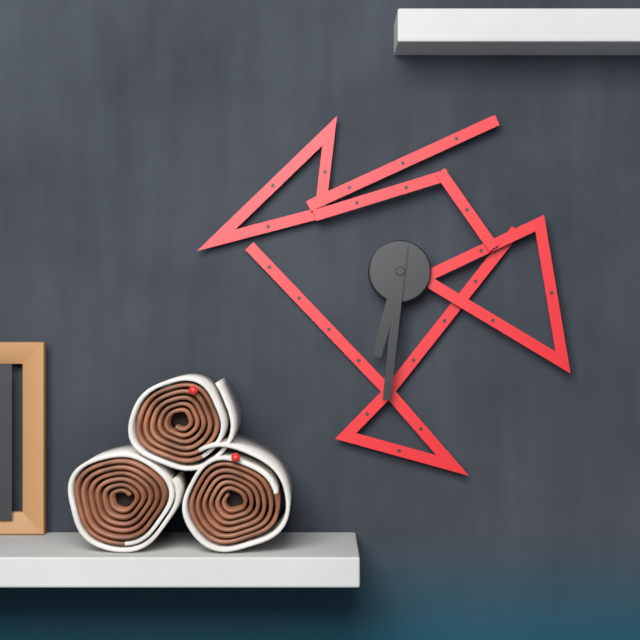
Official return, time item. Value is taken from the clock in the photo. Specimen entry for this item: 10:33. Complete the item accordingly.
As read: 6:31
